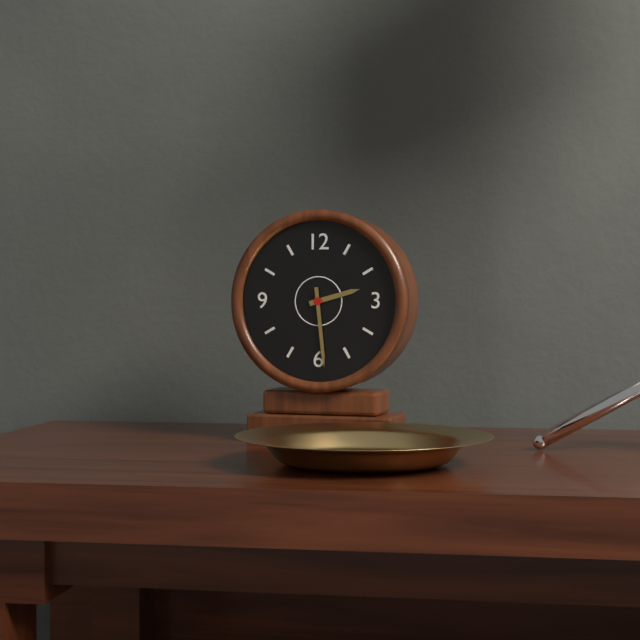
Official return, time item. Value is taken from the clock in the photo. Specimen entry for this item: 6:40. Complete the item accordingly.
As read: 2:29
